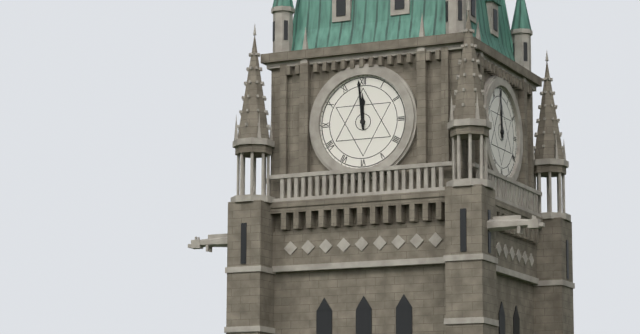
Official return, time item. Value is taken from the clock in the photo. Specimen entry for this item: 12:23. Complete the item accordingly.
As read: 11:59
